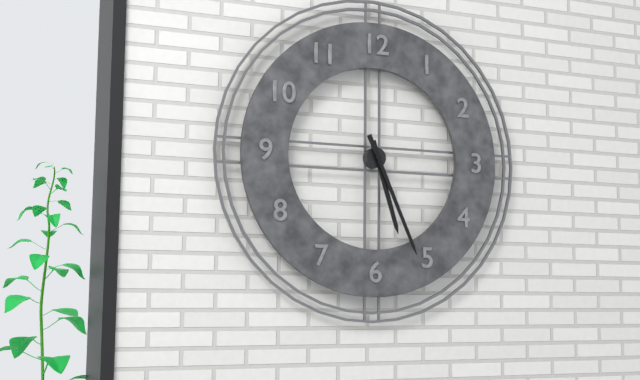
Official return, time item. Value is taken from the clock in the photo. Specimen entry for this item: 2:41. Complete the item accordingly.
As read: 5:26
